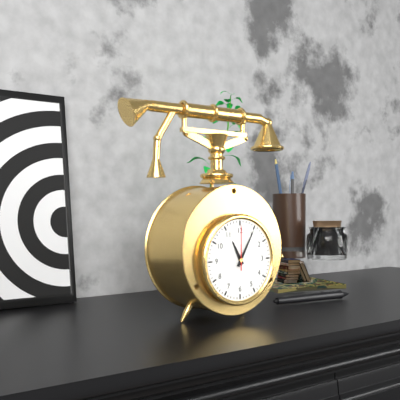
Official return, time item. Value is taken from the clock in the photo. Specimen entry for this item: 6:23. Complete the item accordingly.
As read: 11:05
